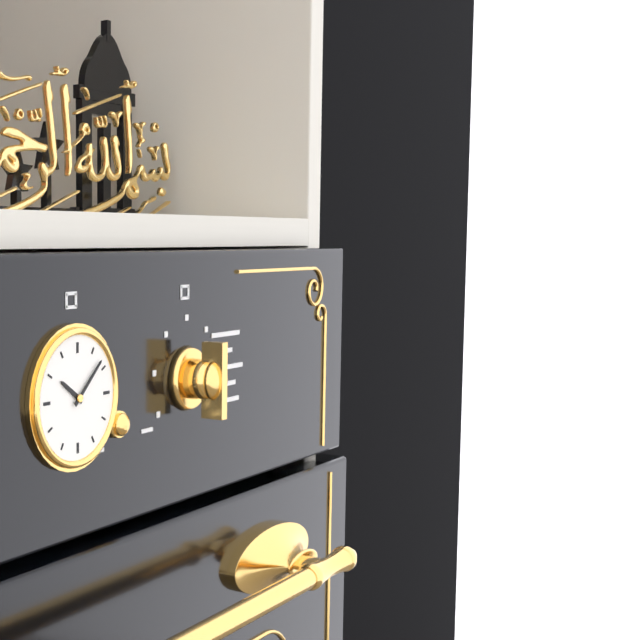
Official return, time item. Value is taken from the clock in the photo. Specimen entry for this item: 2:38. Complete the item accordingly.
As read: 10:08
